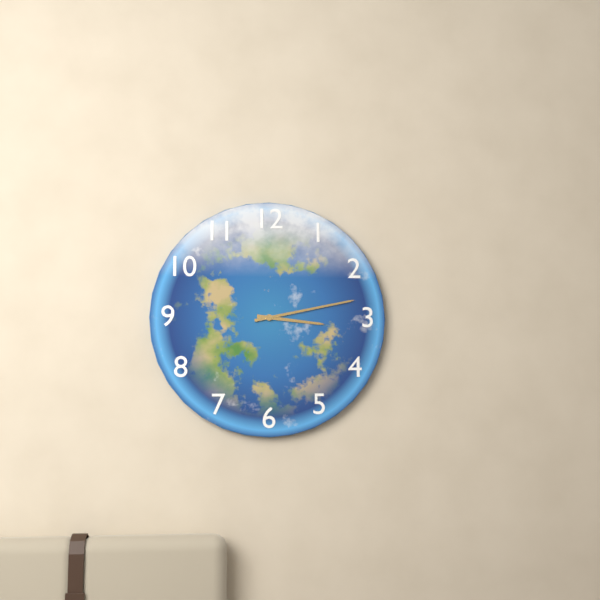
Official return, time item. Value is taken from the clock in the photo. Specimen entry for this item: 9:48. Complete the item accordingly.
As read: 3:13
